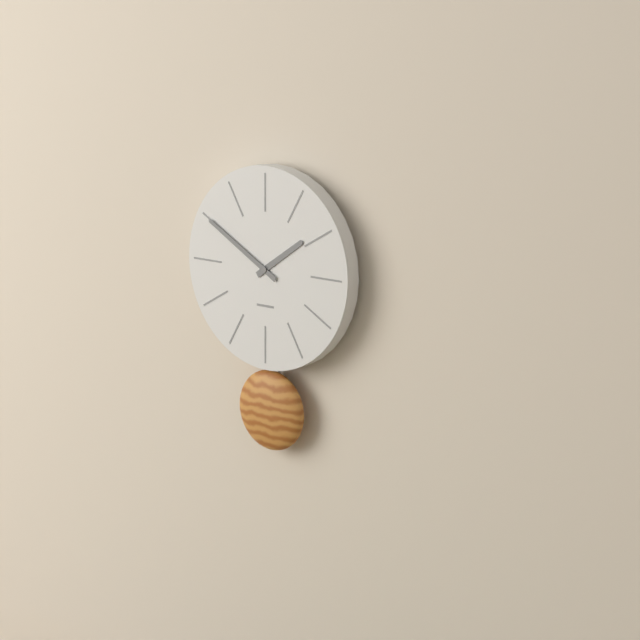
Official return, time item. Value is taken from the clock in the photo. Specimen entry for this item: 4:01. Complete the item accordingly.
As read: 1:50
